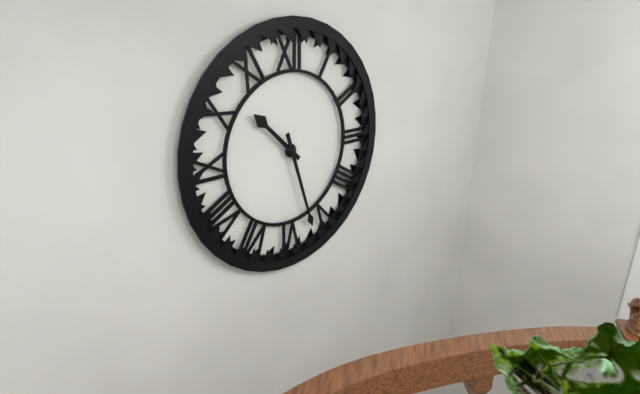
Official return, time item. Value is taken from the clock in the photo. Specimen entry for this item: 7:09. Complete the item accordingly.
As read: 10:27
